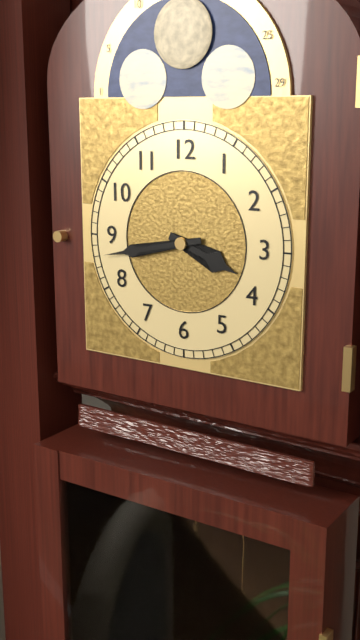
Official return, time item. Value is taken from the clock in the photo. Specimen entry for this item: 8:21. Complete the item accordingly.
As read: 3:43
